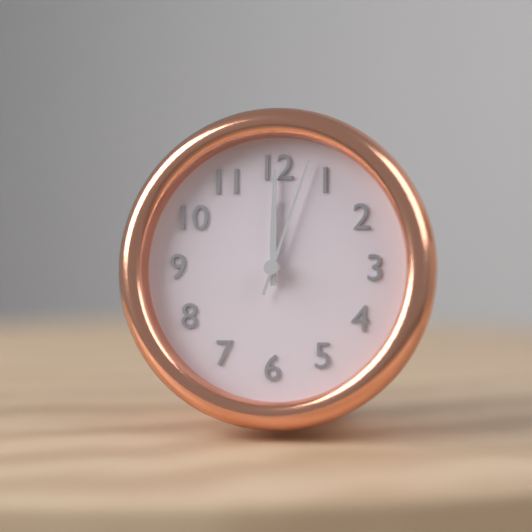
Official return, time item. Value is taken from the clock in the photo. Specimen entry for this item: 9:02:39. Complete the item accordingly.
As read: 12:00:03
